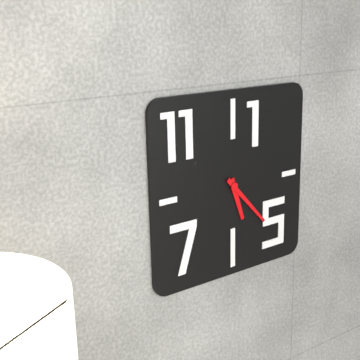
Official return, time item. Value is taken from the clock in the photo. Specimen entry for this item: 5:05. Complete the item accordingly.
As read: 5:23
